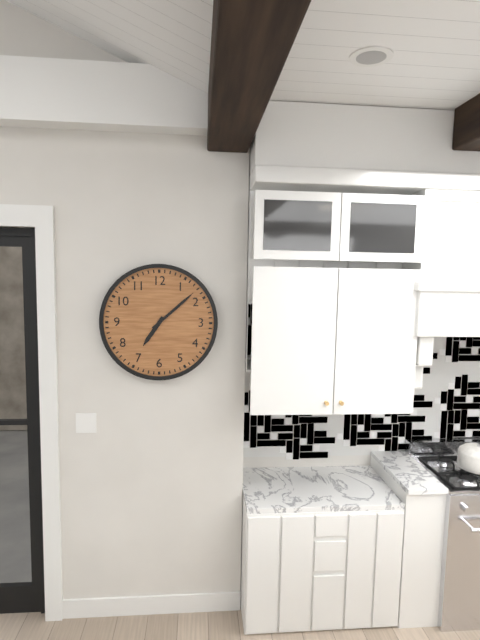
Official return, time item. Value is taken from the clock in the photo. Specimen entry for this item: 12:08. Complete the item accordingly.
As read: 7:08
